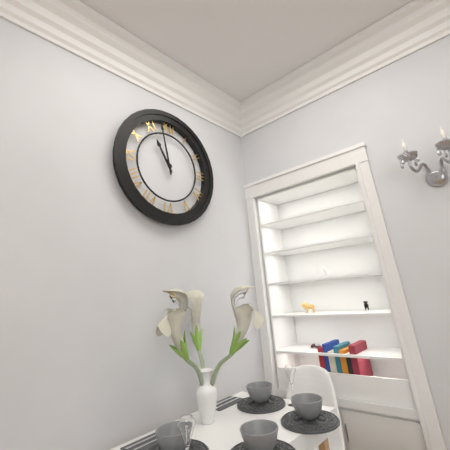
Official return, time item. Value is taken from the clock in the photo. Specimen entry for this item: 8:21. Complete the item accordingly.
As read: 10:58
